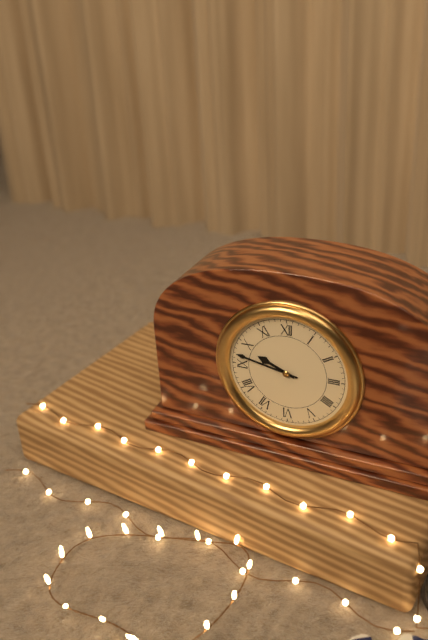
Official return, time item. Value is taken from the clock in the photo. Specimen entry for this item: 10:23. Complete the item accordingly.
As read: 9:47
